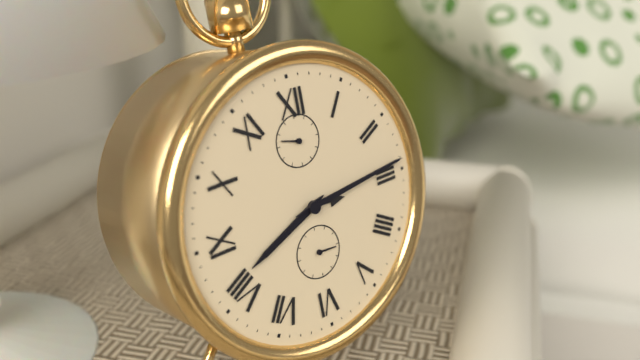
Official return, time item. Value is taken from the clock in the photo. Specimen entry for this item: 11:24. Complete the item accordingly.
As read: 8:14
